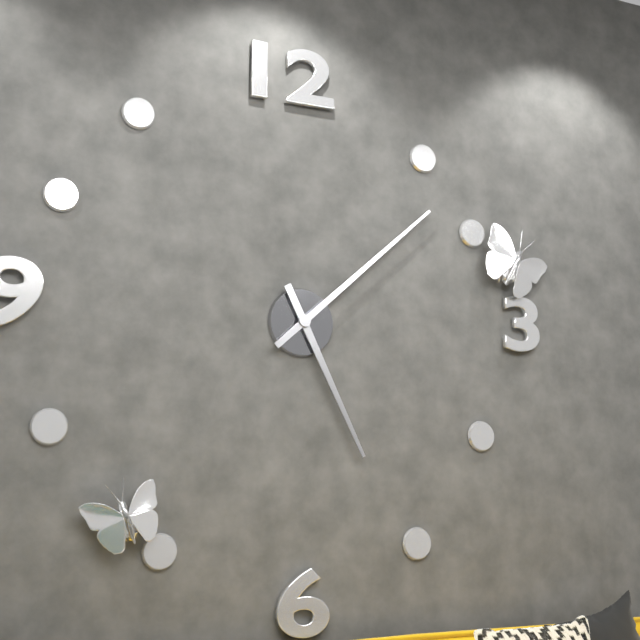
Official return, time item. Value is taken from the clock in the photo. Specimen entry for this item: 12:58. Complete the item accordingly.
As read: 5:08
